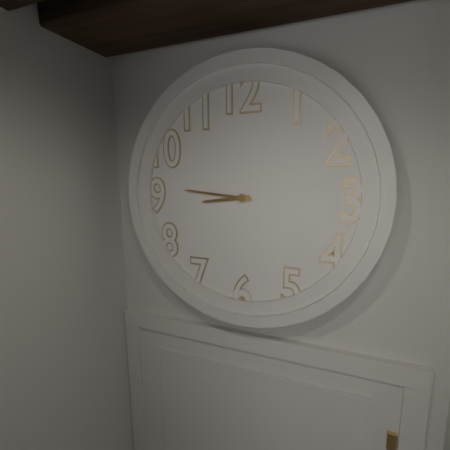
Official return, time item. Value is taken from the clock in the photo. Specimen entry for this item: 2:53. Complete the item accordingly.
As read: 8:46
